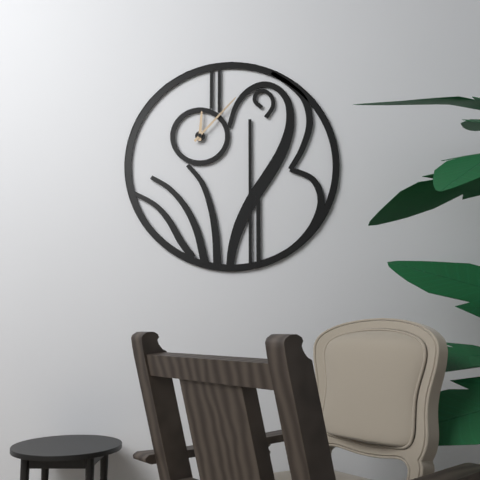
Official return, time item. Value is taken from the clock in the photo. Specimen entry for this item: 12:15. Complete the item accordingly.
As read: 12:07
